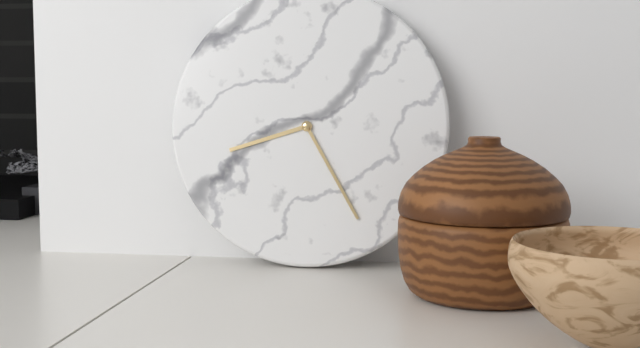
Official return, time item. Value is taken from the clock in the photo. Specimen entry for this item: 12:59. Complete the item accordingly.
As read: 8:25
